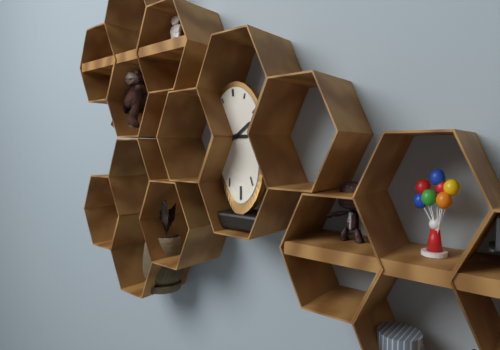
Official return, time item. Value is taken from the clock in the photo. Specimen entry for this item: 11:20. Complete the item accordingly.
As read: 3:10
